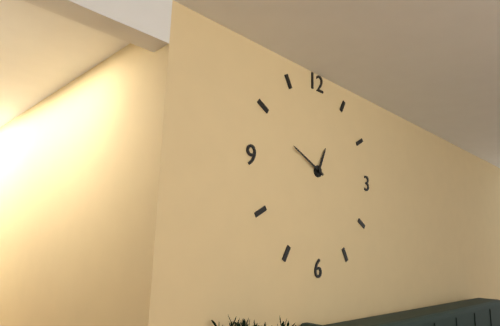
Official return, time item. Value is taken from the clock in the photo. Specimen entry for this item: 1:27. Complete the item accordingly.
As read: 12:49
